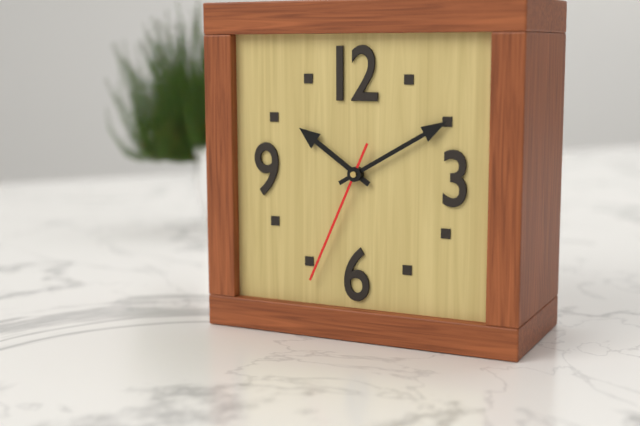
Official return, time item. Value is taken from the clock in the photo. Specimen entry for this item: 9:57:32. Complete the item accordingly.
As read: 10:10:34
